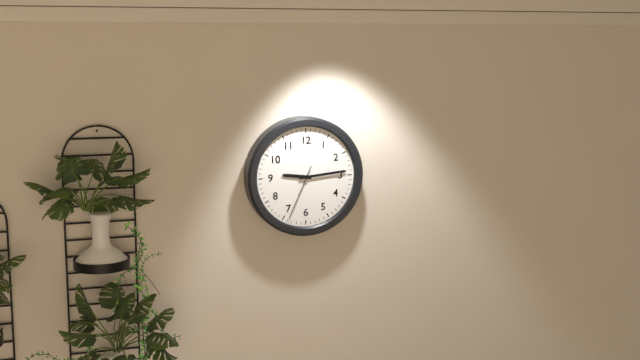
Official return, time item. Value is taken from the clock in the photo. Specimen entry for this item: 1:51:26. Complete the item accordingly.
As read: 9:14:34
